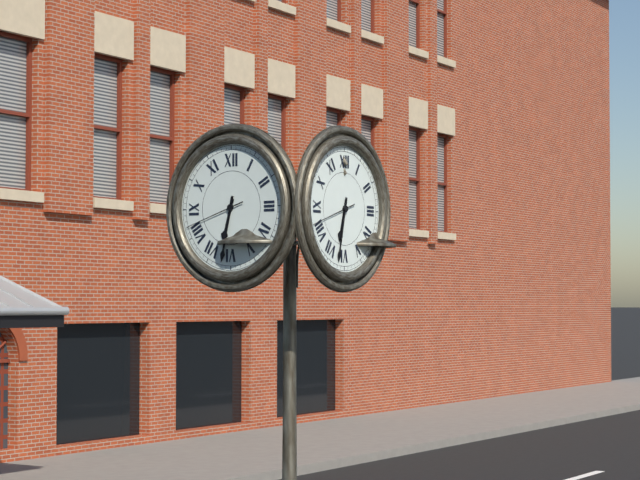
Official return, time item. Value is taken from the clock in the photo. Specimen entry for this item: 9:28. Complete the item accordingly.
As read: 6:32
